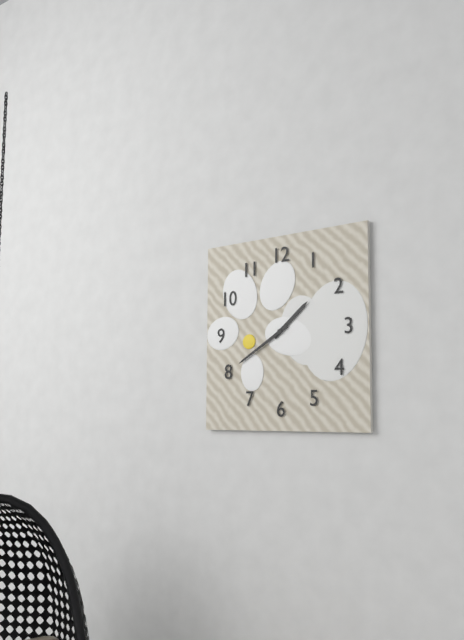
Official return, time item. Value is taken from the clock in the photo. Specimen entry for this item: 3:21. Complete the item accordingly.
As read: 1:40
